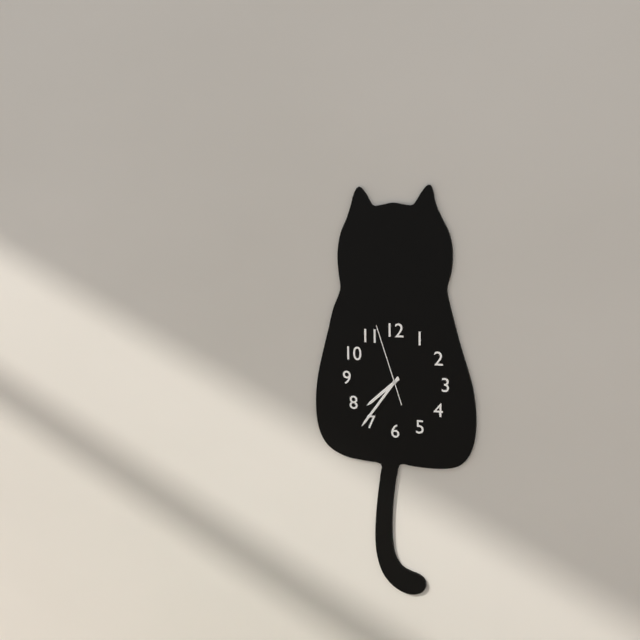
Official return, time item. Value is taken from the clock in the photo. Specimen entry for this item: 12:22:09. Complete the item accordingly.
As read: 7:36:57
